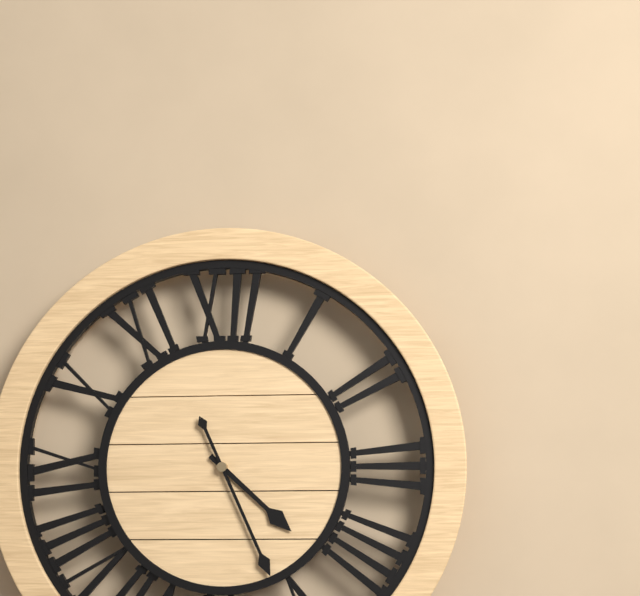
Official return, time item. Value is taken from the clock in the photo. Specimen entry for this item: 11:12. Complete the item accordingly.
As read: 4:26
